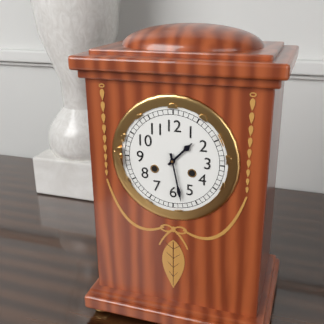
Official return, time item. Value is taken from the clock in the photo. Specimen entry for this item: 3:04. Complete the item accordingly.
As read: 1:28
